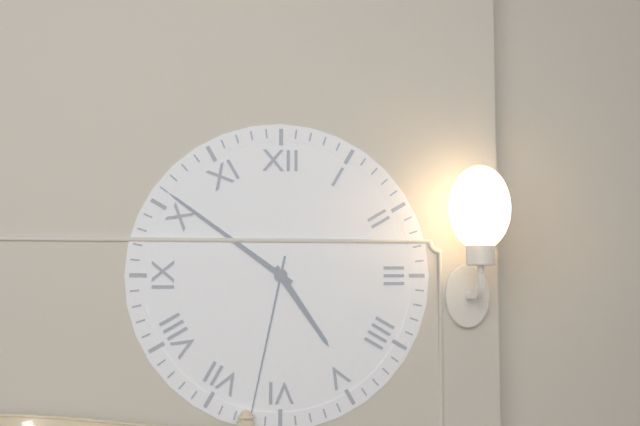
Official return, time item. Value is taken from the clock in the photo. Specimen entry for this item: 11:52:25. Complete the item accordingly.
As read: 4:51:32
